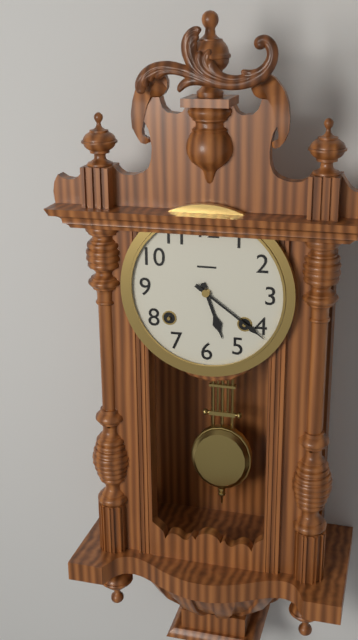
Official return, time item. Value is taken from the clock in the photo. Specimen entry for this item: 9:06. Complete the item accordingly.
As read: 5:21
